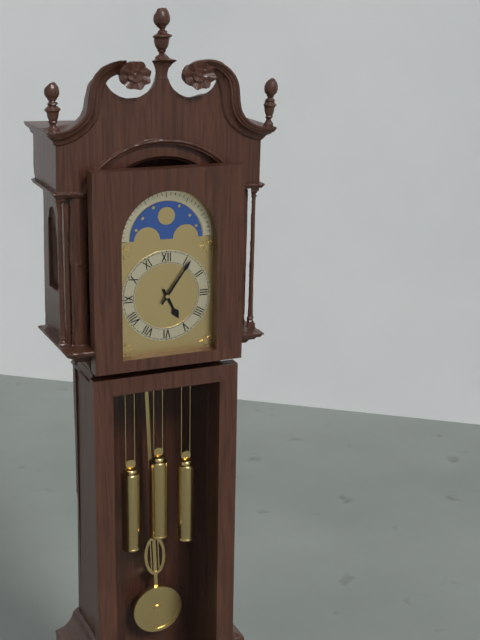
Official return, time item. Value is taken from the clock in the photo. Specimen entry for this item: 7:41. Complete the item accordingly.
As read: 5:06
